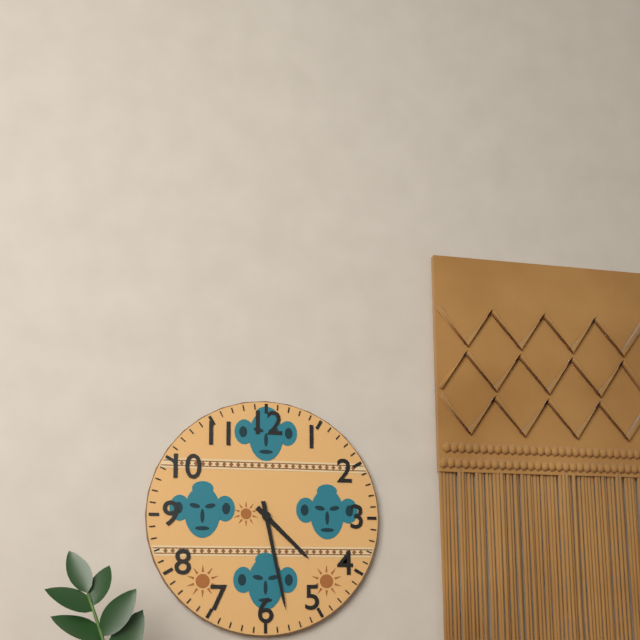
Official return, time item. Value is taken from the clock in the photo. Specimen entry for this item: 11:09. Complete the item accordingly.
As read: 4:28
